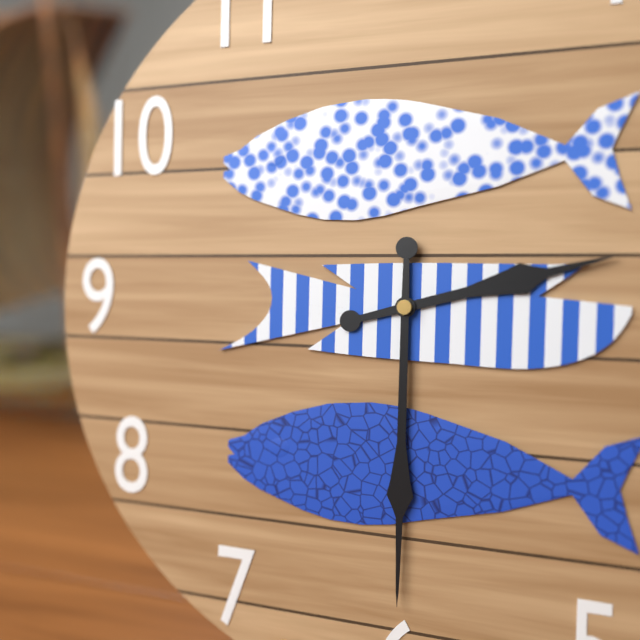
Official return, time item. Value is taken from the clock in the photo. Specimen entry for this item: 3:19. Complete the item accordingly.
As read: 2:30
